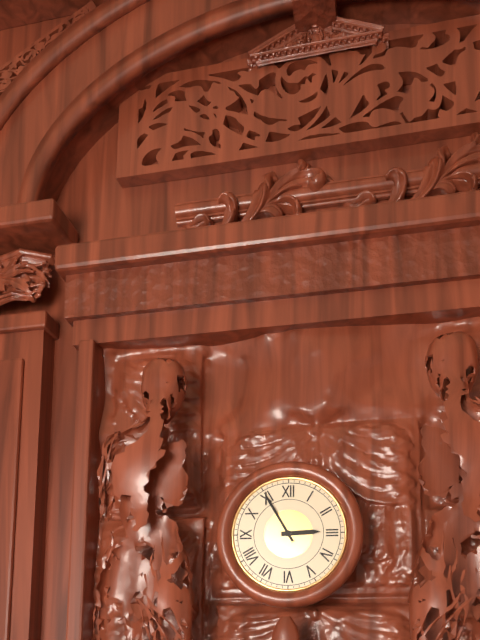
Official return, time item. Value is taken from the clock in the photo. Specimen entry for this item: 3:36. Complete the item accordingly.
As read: 2:55
